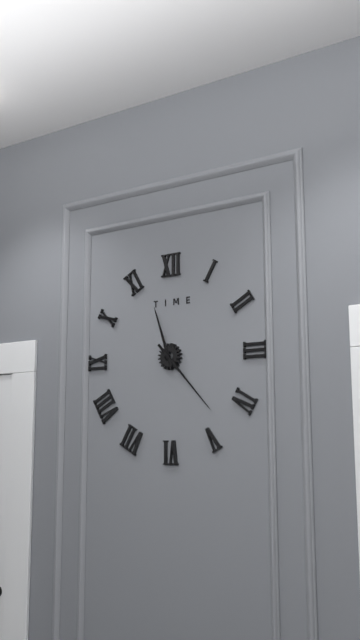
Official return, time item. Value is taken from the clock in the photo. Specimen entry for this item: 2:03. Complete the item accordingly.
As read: 11:23
